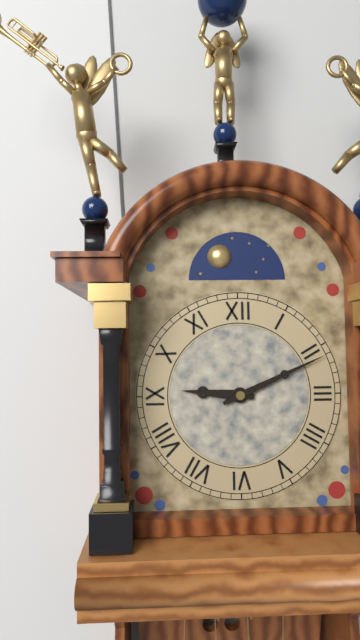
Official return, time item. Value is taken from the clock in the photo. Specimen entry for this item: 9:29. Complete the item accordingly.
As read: 9:11
